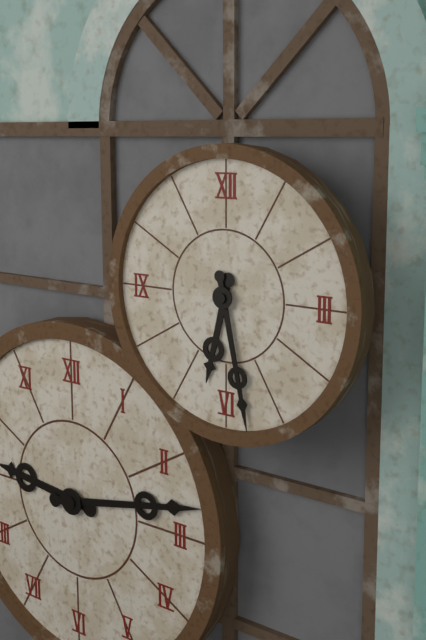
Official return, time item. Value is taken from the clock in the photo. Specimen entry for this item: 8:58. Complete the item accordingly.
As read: 6:28
